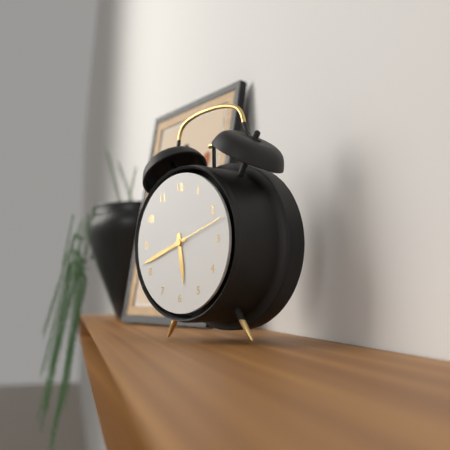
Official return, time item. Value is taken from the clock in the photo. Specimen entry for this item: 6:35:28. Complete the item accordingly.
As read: 5:42:12
